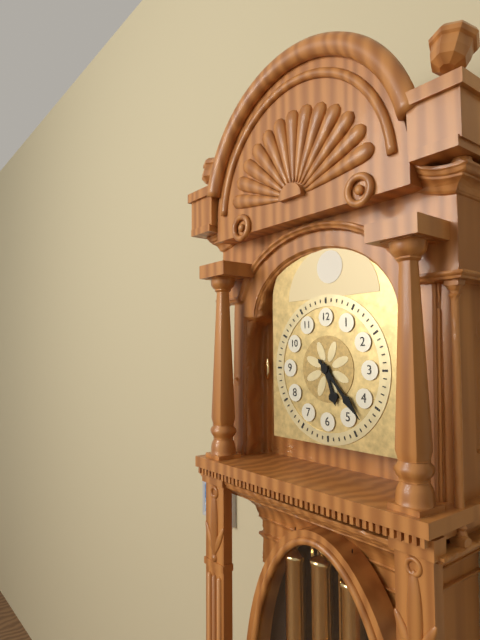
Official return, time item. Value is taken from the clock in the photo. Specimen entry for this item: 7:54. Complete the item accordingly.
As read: 5:23
